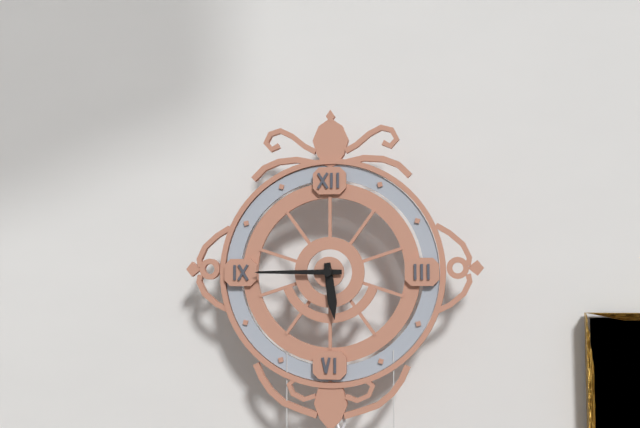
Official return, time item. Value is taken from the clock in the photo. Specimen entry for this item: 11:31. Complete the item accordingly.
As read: 5:45
